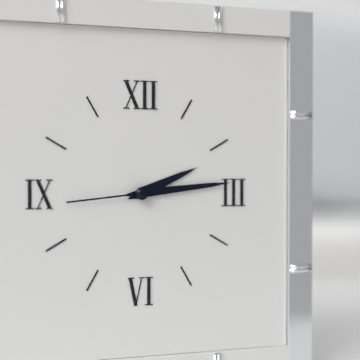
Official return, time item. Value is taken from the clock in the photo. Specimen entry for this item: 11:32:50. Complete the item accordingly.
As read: 2:14:44
